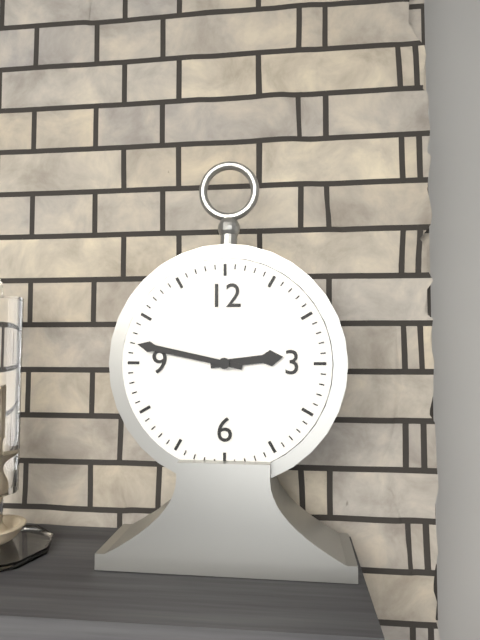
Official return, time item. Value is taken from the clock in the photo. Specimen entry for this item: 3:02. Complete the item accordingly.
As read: 2:47
